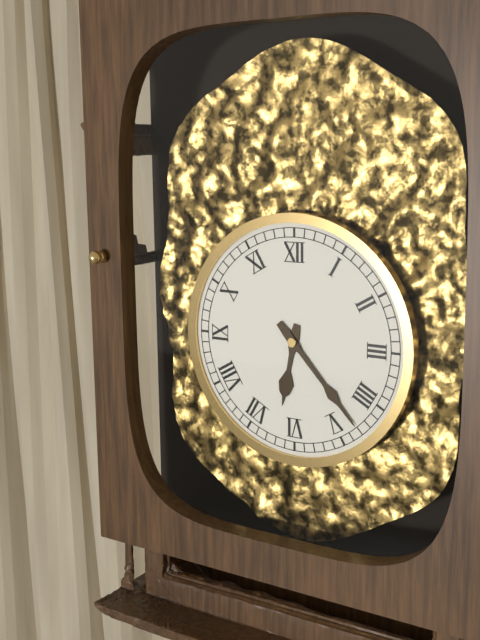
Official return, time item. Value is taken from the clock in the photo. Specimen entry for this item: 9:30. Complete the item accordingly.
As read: 6:23
